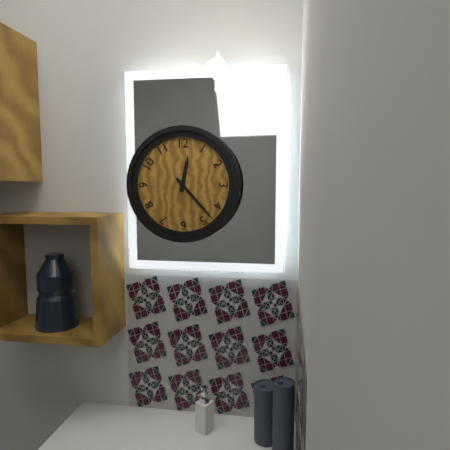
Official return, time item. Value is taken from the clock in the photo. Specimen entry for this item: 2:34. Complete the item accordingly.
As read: 12:23
